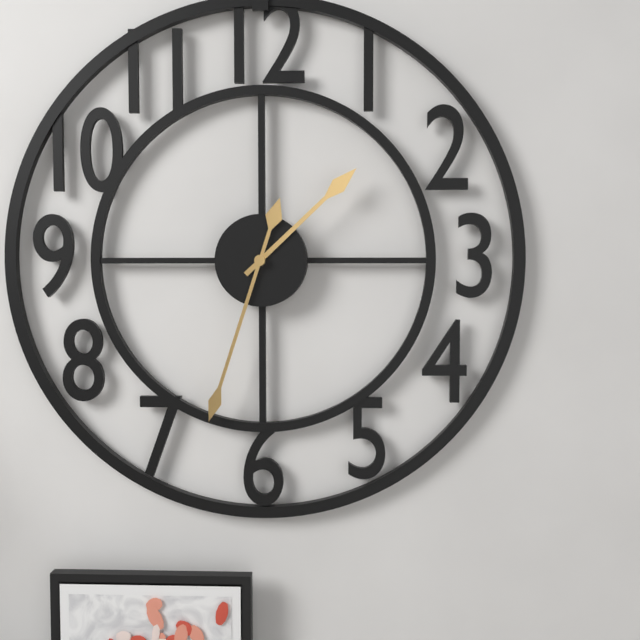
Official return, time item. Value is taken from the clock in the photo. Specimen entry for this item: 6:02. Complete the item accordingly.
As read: 1:33
